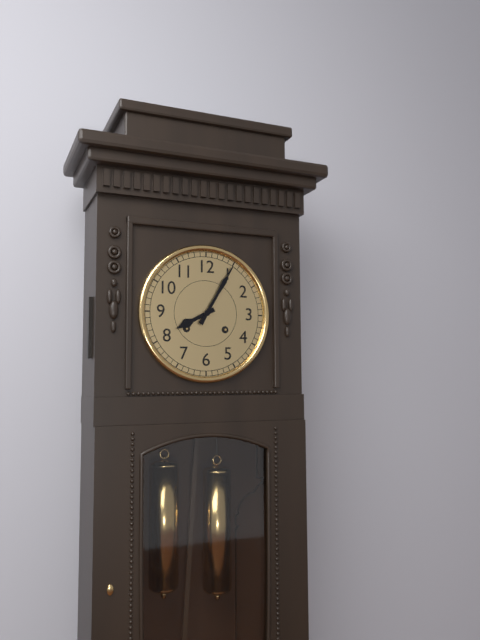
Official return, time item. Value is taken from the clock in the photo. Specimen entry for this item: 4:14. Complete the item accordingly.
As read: 8:05
